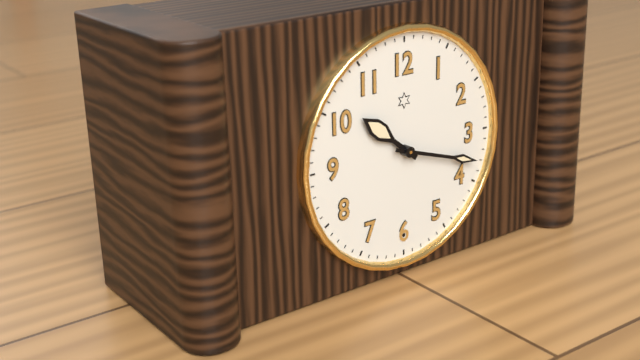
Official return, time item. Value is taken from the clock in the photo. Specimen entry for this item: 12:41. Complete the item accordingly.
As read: 10:18
